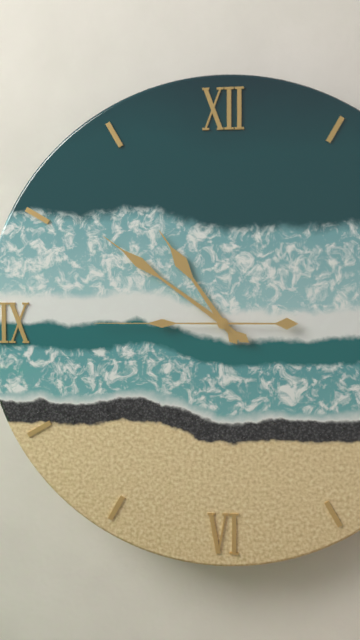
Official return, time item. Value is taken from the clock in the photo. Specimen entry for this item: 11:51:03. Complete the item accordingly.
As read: 10:51:45
